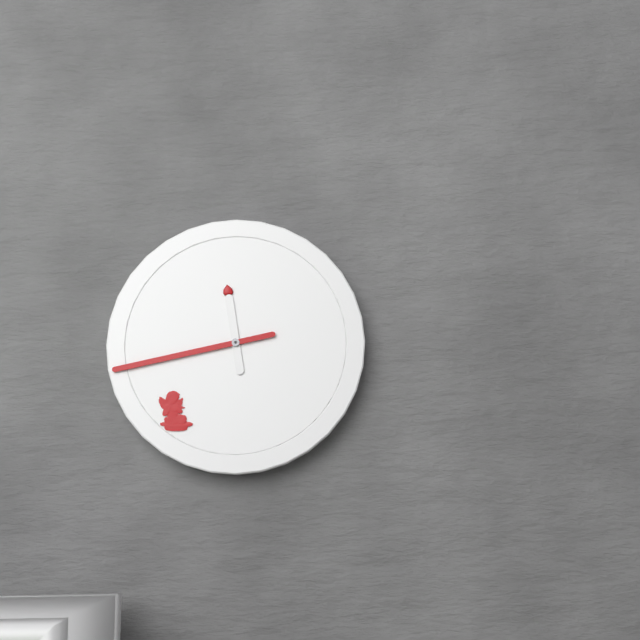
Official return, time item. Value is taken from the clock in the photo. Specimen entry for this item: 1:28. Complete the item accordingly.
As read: 11:43
